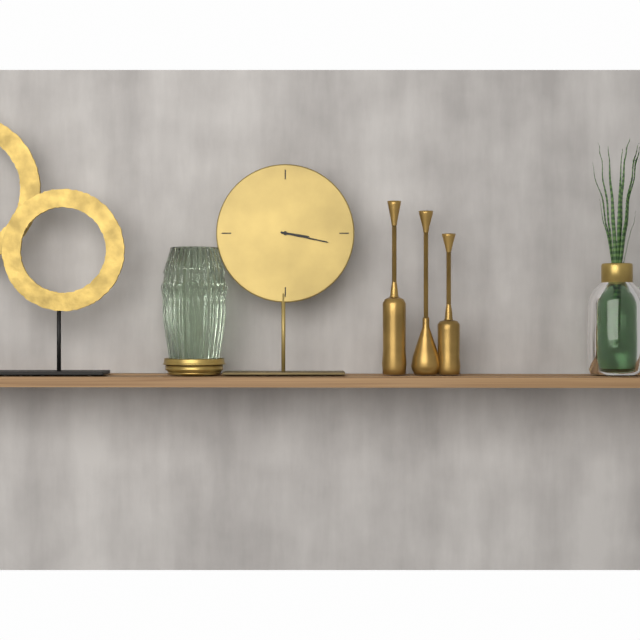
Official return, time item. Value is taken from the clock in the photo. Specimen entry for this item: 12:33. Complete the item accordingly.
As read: 3:17
